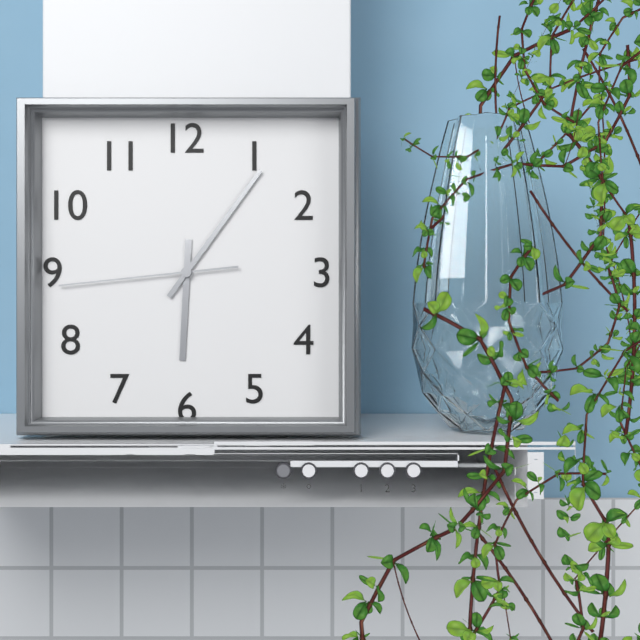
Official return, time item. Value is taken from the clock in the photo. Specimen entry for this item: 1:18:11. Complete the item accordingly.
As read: 6:06:44
